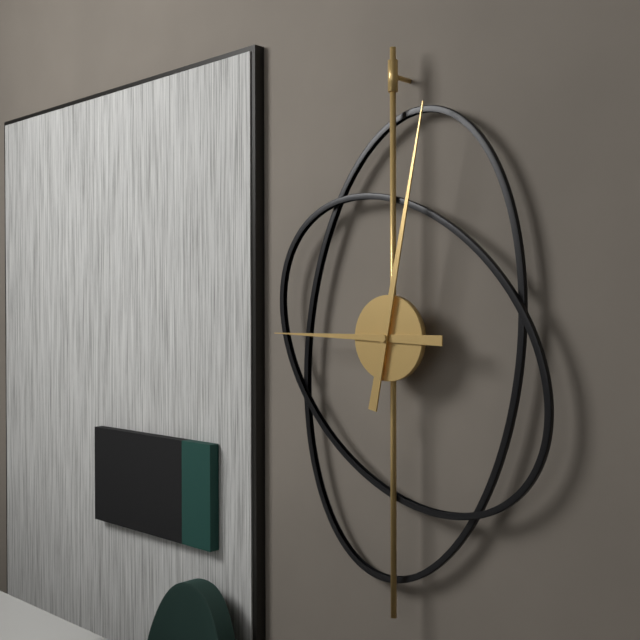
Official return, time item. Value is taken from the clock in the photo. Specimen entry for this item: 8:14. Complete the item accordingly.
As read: 9:02
